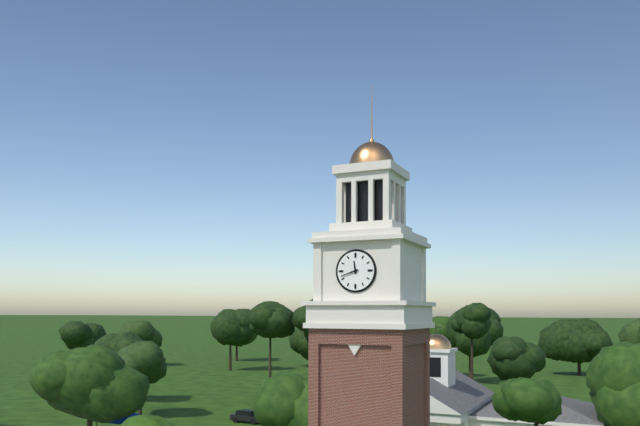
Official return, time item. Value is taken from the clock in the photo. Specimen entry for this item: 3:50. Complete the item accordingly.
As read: 11:42
